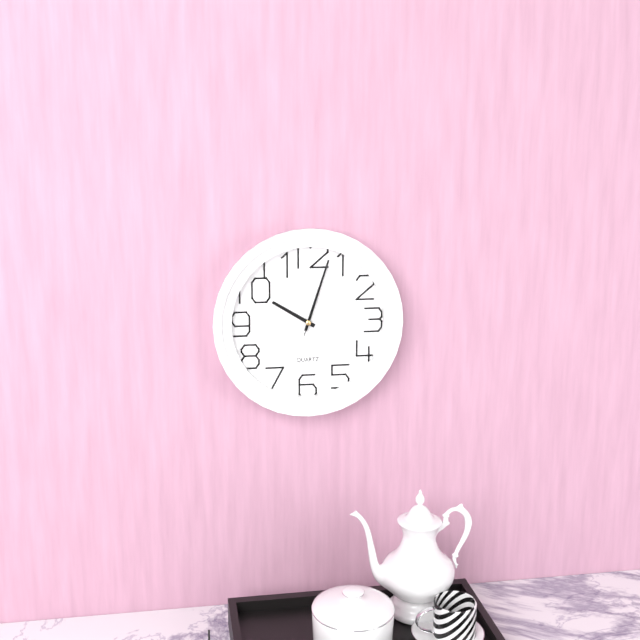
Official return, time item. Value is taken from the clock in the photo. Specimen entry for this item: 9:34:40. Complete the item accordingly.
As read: 10:03:03
